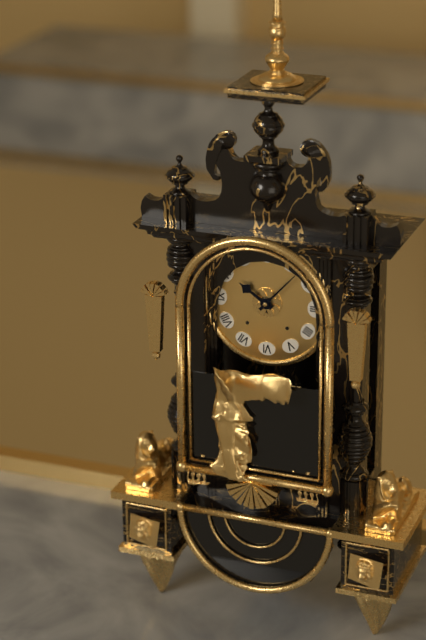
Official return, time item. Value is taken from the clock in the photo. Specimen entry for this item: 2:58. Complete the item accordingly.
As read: 10:07
